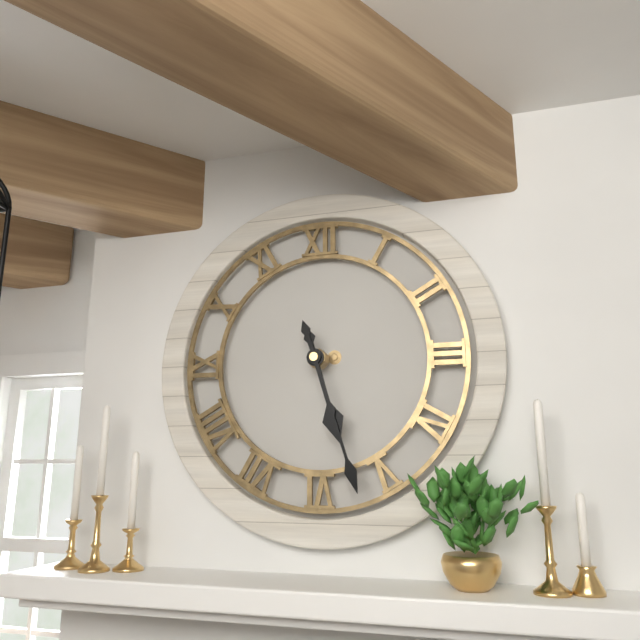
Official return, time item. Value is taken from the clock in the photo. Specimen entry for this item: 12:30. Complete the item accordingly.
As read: 5:27
